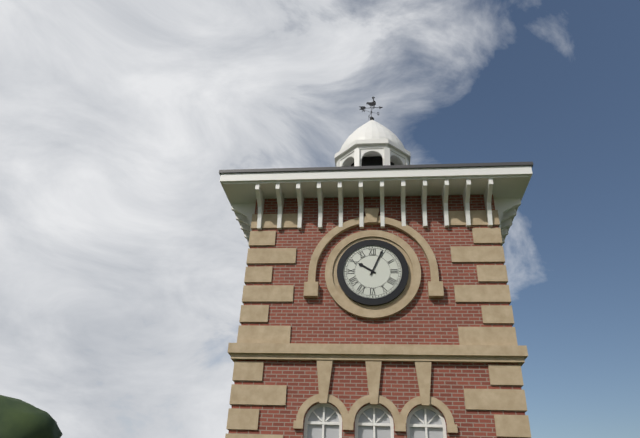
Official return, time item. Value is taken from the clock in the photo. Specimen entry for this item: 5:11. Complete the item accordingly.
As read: 10:04
